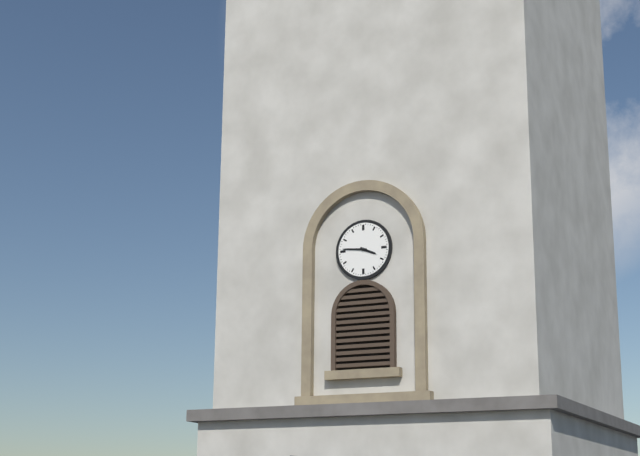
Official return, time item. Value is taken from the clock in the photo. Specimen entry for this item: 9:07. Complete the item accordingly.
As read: 3:46
